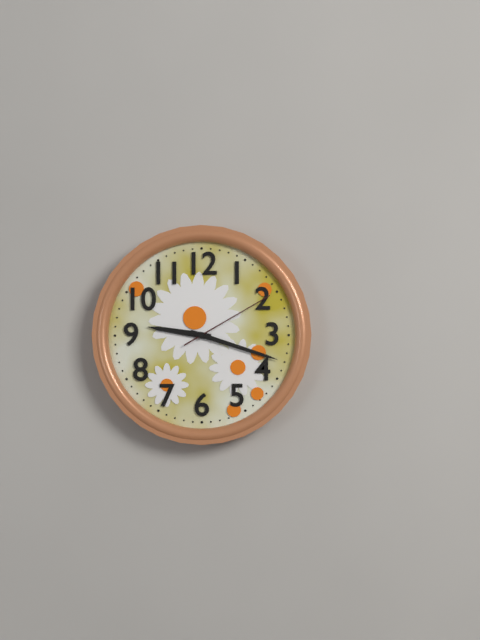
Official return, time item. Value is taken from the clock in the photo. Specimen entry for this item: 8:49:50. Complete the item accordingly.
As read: 9:18:10
